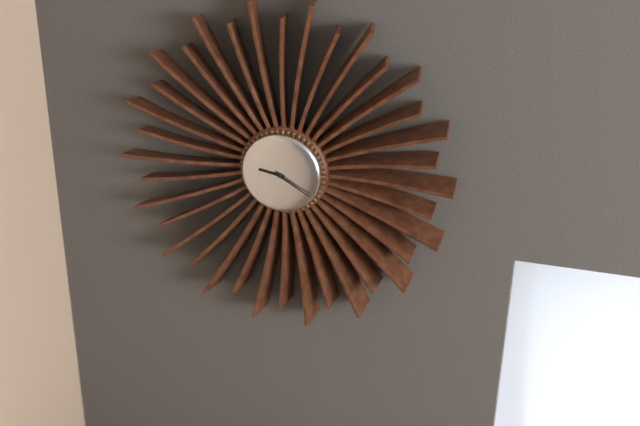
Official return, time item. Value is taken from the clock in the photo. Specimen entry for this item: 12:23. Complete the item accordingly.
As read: 9:20
